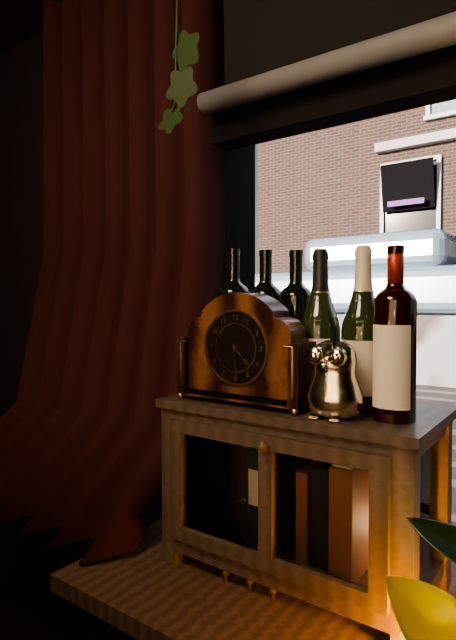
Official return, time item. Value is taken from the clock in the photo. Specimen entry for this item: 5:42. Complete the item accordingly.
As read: 4:29
